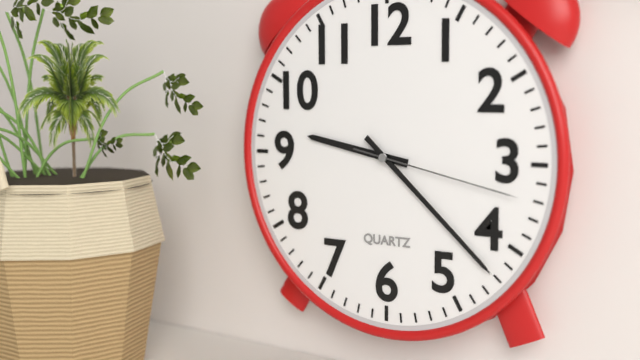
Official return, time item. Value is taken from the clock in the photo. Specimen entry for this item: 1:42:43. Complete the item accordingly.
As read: 9:22:17
